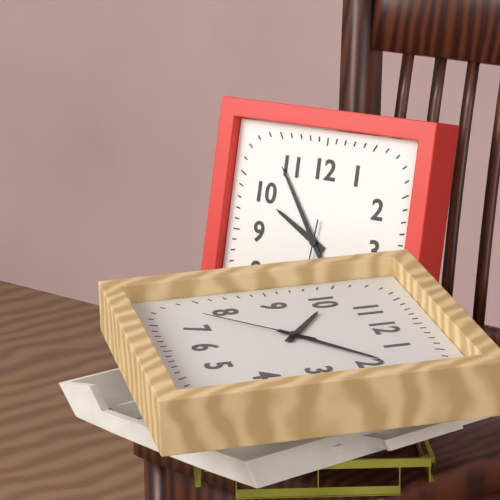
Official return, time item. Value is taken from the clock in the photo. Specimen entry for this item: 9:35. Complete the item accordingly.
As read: 9:54
